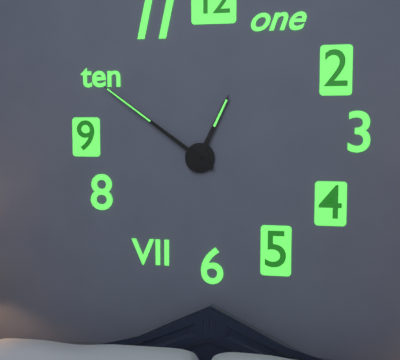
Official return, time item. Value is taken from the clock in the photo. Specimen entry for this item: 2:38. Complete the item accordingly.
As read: 12:51
